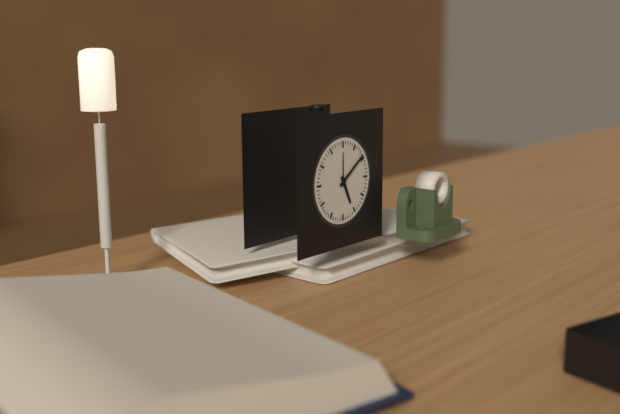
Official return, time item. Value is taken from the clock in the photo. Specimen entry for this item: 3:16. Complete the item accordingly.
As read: 5:09
